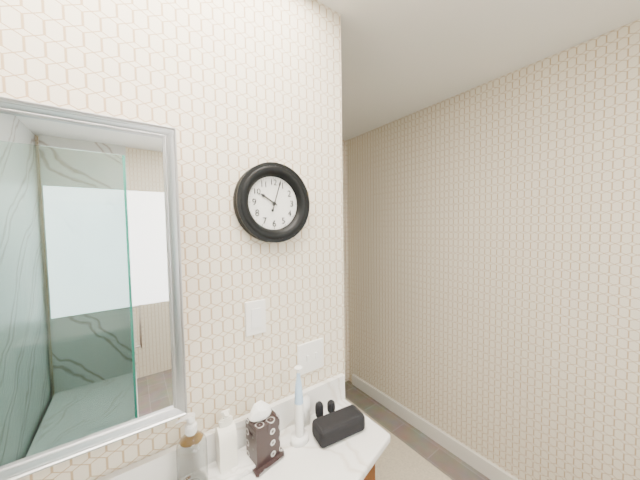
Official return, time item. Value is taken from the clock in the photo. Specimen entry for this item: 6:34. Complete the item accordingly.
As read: 10:03
